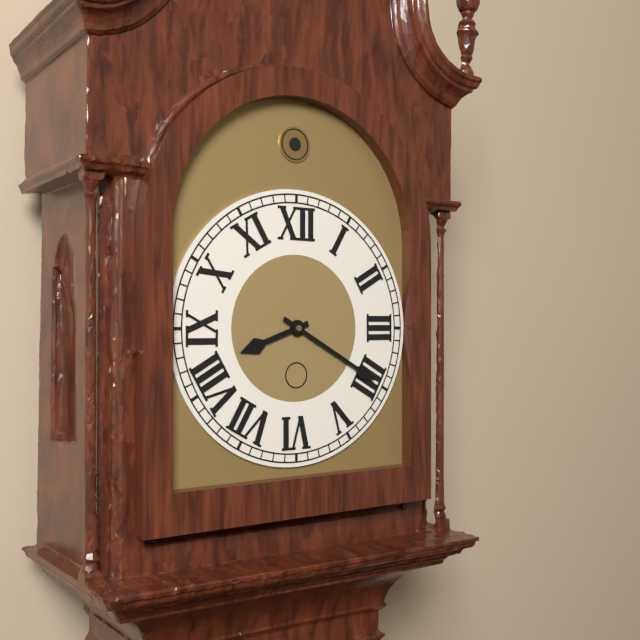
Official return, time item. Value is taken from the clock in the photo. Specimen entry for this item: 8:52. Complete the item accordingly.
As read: 8:20
